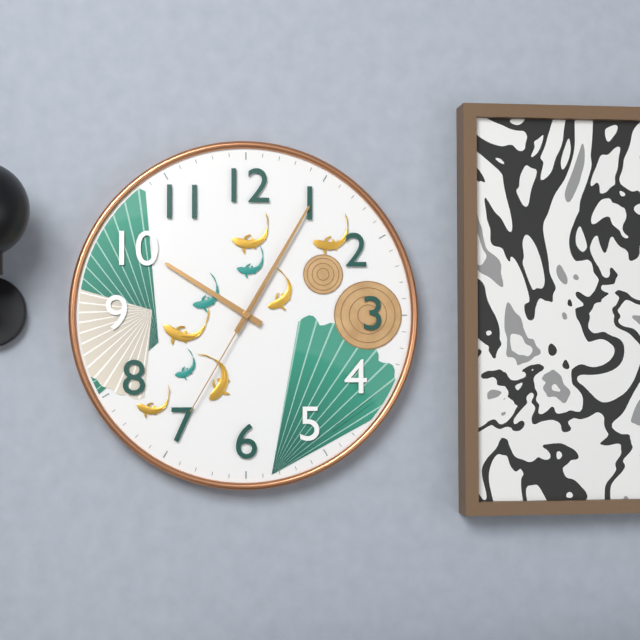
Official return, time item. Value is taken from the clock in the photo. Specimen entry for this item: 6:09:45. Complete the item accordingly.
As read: 10:05:35
